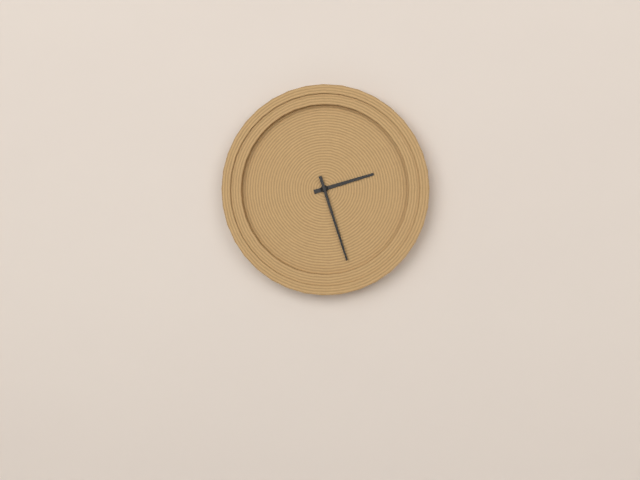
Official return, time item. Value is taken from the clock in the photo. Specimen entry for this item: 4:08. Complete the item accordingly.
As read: 2:27
